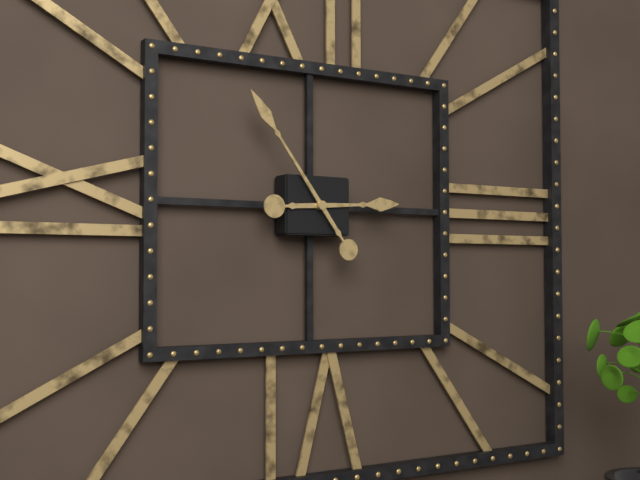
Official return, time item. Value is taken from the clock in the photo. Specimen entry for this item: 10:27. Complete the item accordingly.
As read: 2:54
